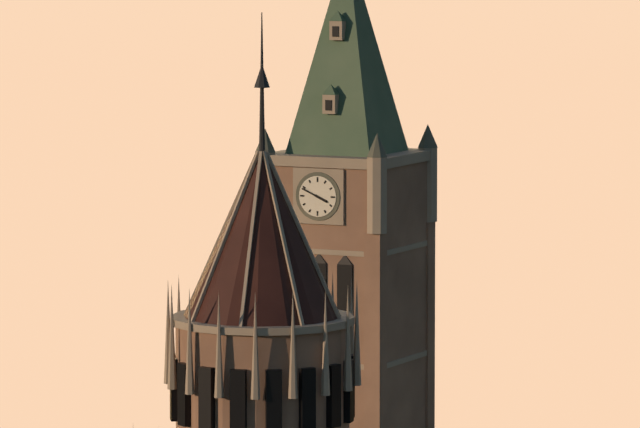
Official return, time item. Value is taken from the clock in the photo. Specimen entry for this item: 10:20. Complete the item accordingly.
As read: 3:49
